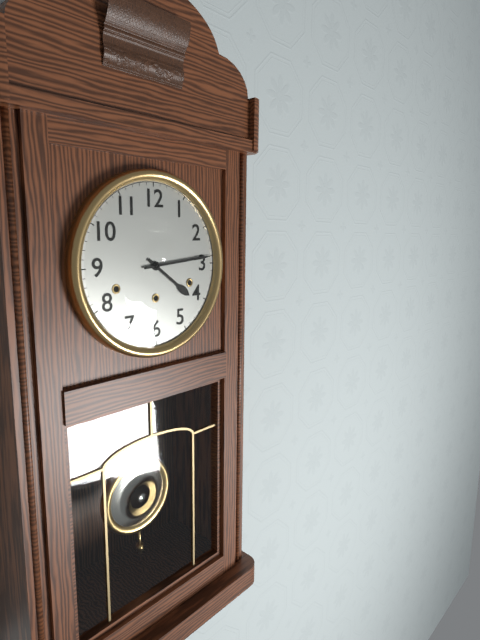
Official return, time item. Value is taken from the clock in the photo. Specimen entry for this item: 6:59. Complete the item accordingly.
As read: 4:14
